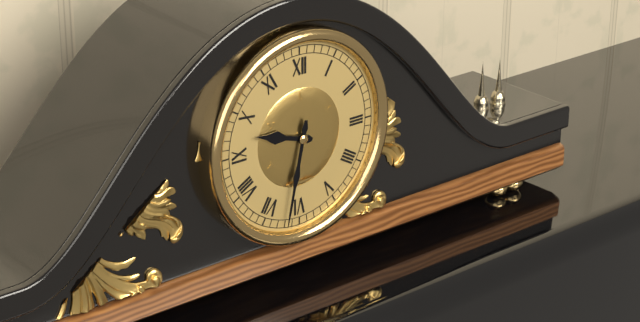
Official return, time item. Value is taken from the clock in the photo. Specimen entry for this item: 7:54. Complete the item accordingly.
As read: 9:32
